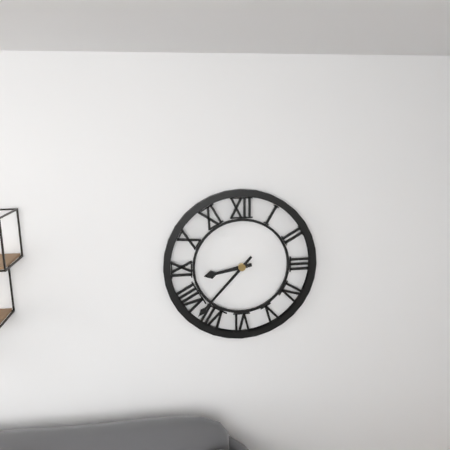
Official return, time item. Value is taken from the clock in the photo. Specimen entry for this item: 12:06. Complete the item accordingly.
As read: 8:37
